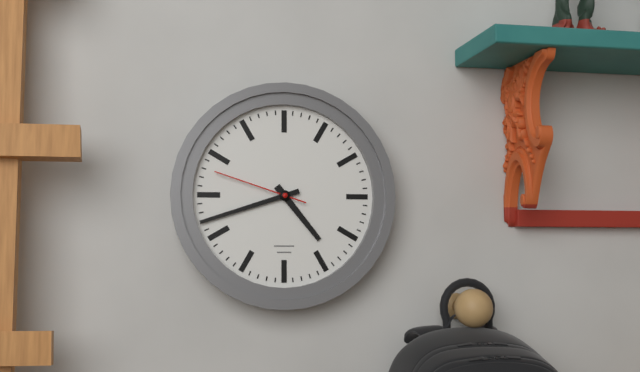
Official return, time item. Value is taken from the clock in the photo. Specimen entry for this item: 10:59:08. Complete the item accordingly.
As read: 4:42:48
